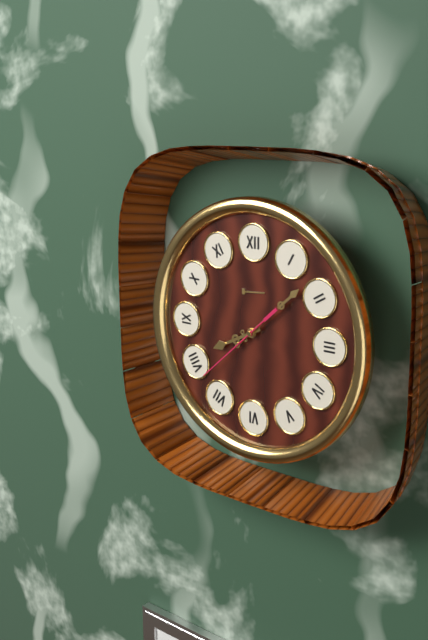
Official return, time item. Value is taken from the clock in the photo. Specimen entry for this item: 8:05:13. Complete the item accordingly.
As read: 8:08:38
